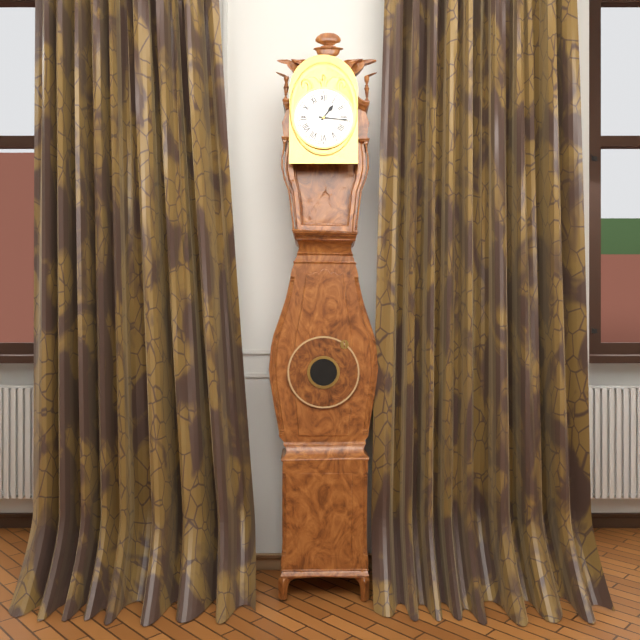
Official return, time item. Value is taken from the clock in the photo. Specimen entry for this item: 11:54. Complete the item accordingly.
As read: 1:16
